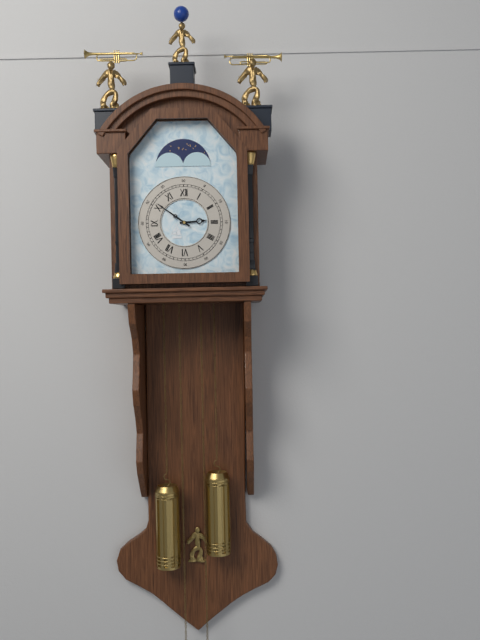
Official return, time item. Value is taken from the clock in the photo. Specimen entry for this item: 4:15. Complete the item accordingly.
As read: 2:51
